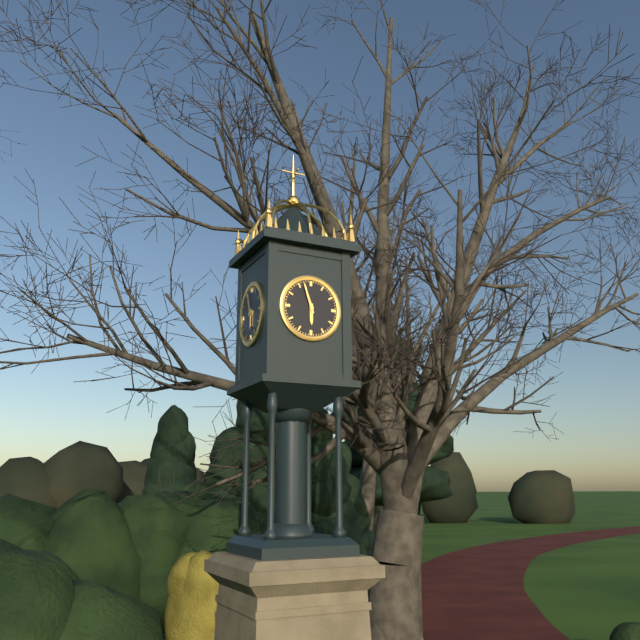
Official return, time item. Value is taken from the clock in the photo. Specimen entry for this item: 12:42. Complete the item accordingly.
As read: 5:57
